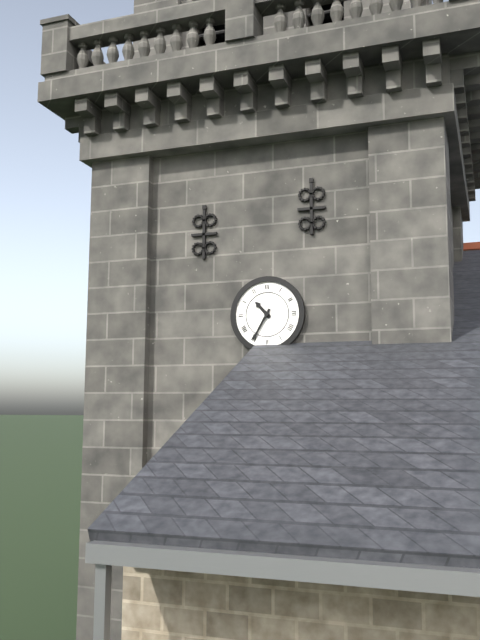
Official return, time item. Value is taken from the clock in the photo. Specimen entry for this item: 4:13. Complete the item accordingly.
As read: 10:35
